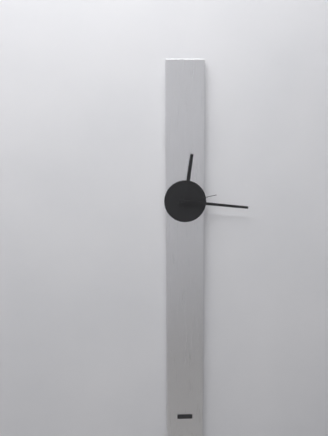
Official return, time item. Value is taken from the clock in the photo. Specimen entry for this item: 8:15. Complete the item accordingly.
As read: 12:16
